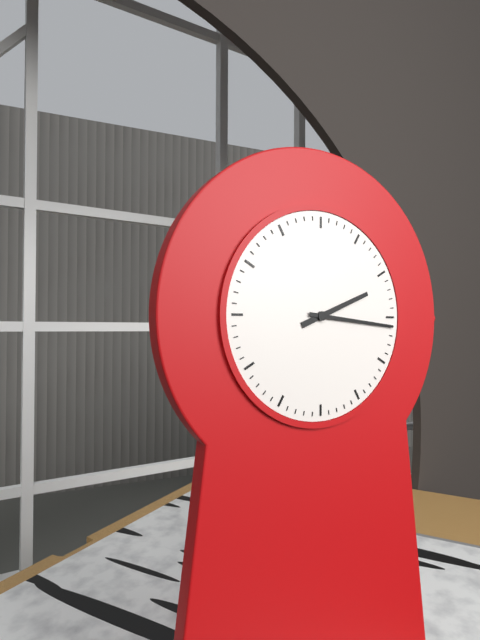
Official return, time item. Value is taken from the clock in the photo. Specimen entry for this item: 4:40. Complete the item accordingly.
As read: 2:16
